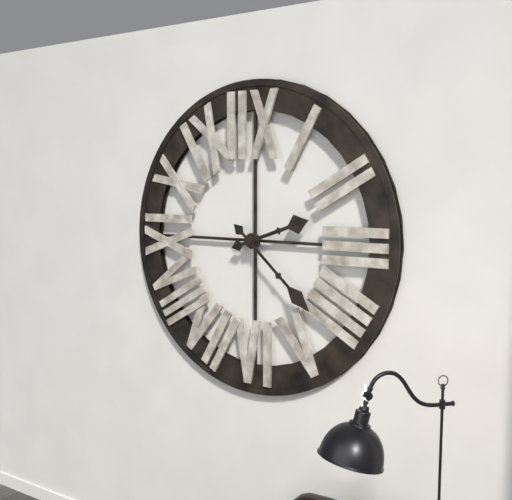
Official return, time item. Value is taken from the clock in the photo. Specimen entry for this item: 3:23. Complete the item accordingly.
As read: 2:22
